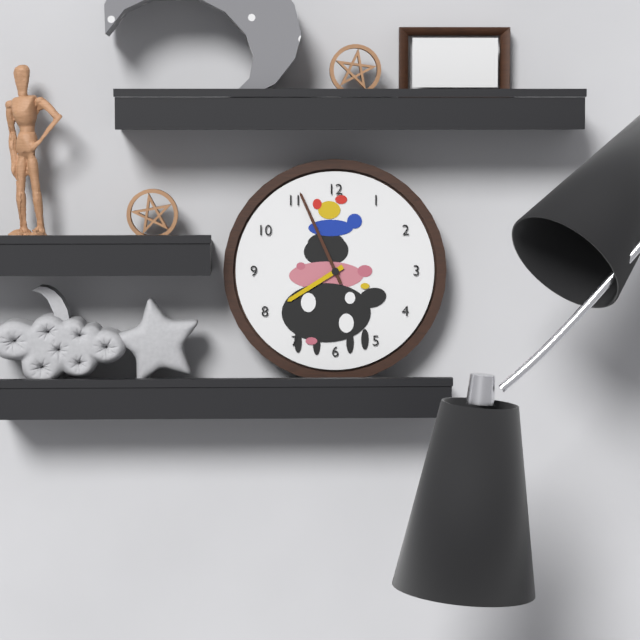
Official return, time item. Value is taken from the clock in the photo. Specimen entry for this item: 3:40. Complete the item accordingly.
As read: 7:56
